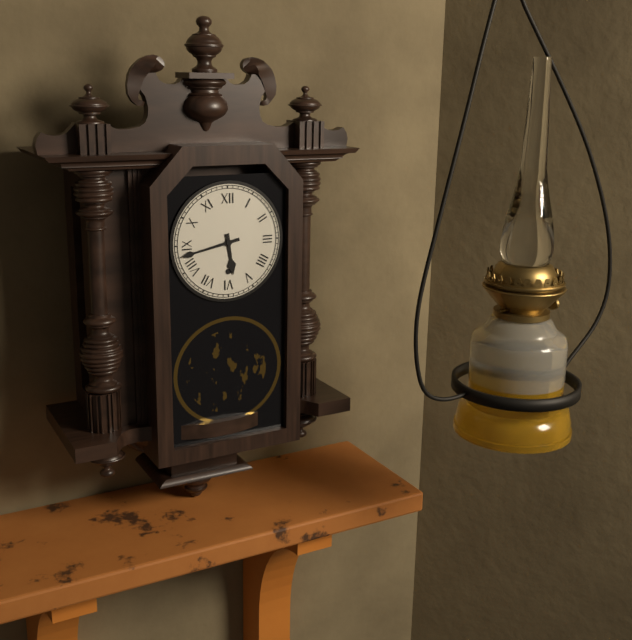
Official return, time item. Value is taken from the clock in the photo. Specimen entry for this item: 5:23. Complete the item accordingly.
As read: 5:43
